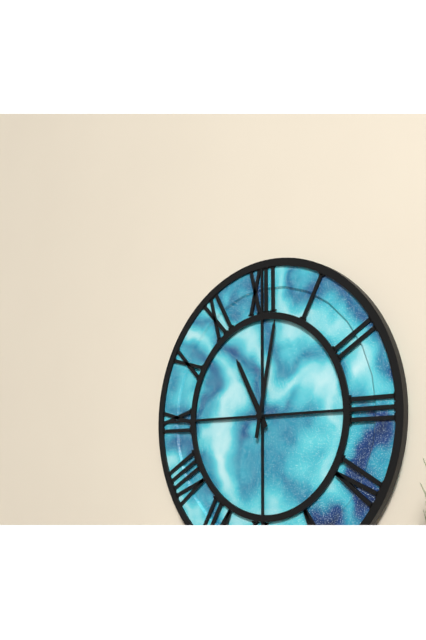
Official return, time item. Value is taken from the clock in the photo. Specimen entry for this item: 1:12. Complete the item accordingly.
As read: 11:02
